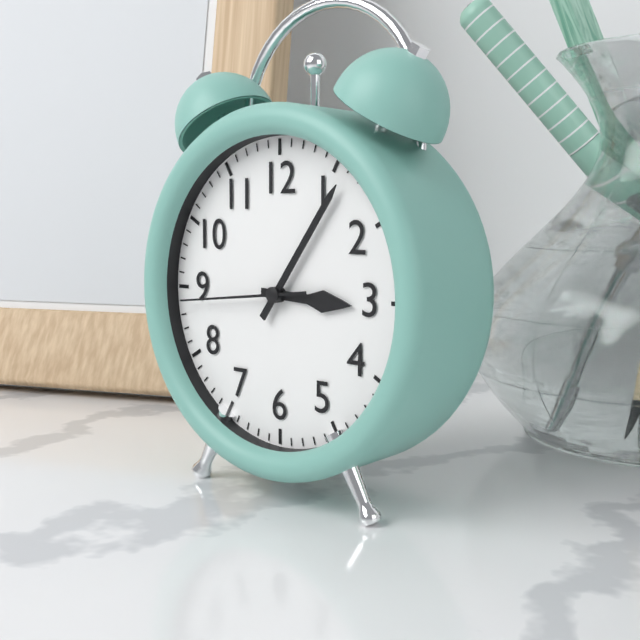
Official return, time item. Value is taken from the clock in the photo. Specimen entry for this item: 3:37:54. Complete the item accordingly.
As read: 3:06:44
